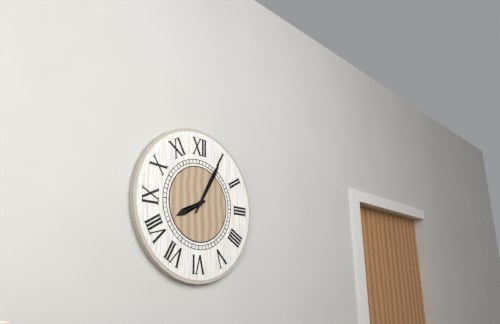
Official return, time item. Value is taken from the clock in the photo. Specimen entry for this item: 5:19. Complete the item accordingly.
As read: 8:05
